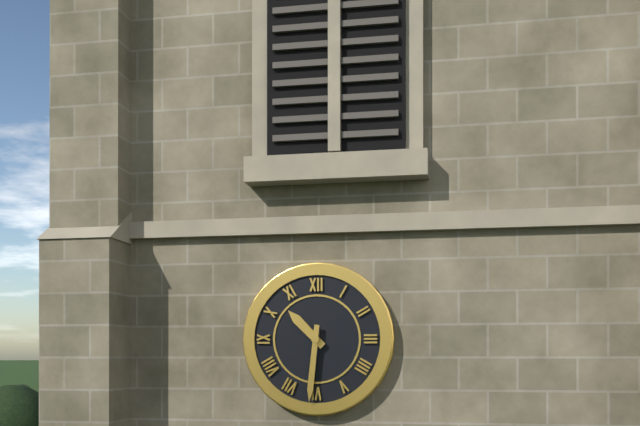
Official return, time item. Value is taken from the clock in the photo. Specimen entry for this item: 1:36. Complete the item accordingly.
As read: 10:31
